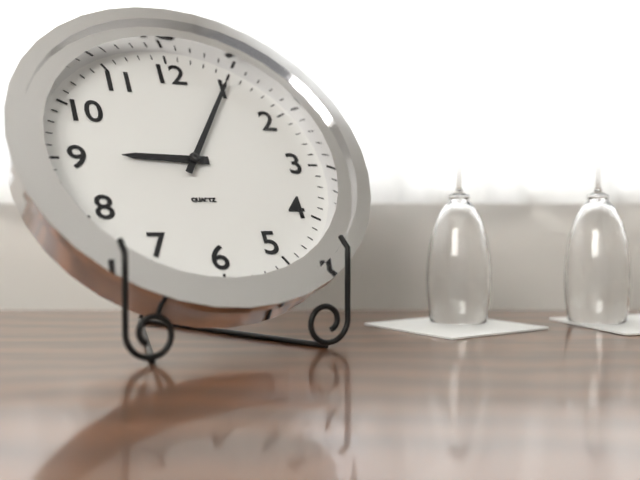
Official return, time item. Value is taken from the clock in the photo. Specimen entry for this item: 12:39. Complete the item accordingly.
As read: 9:05
